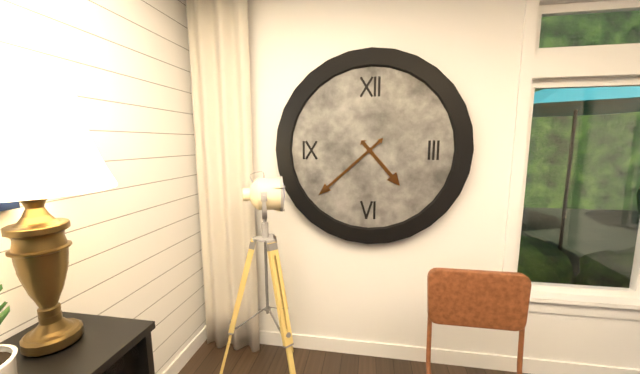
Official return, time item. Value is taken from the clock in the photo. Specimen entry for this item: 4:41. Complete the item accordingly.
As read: 4:38
